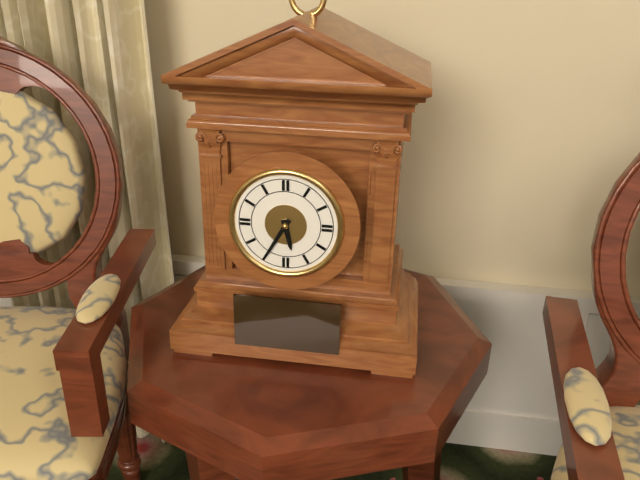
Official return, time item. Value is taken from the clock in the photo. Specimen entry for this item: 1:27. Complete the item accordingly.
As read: 5:35
